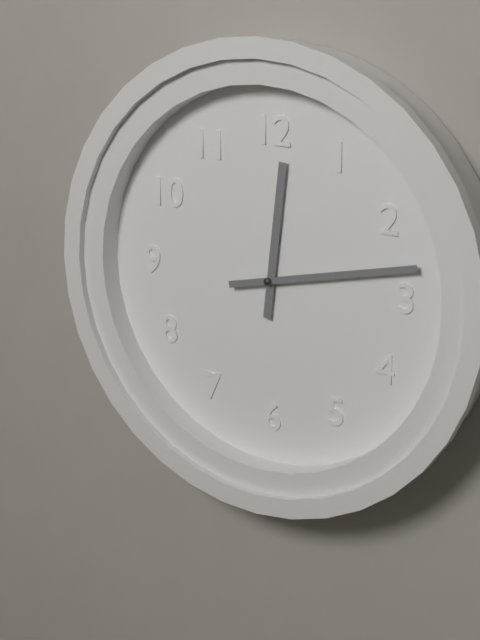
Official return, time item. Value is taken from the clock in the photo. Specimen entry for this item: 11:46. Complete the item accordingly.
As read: 12:13
